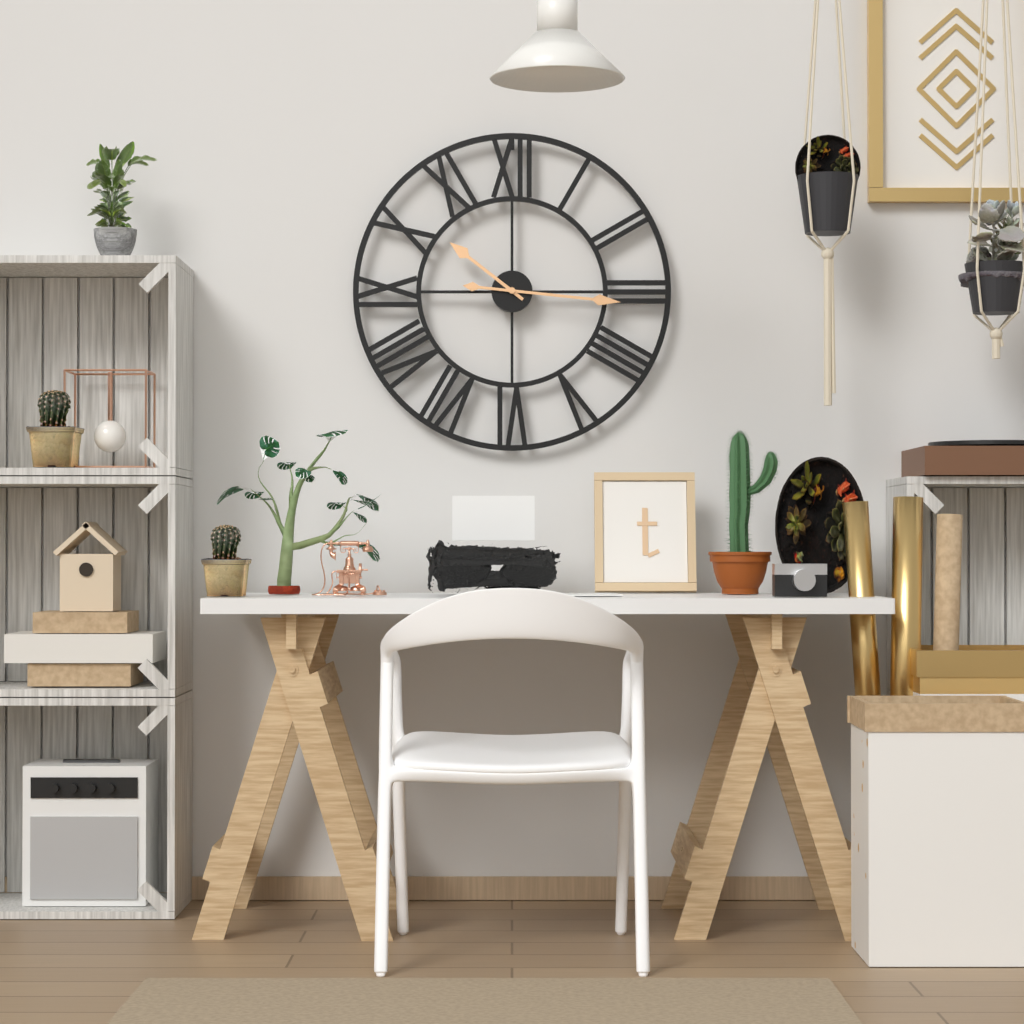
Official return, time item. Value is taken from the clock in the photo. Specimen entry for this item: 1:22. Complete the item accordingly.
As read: 10:16
